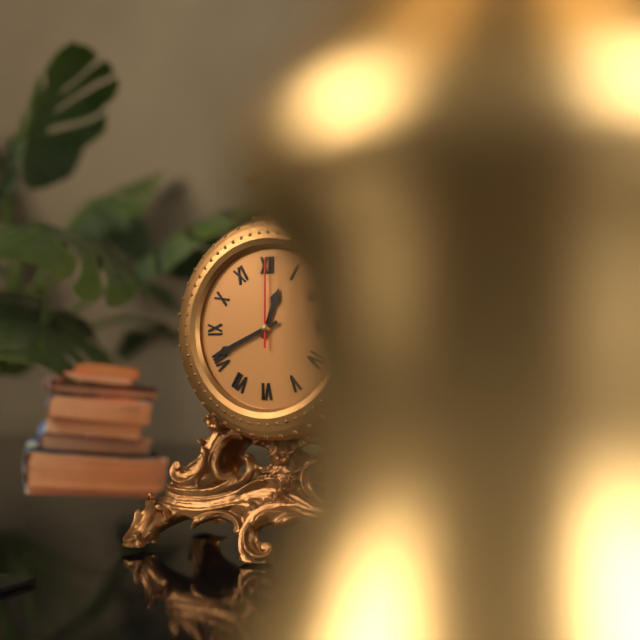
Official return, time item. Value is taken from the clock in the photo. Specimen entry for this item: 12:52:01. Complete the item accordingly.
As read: 12:41:00
